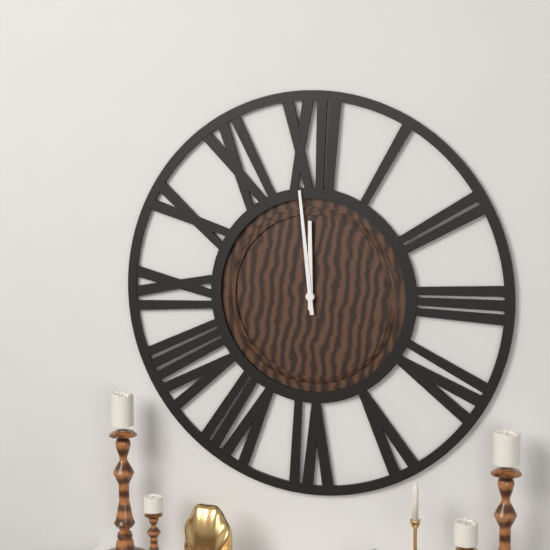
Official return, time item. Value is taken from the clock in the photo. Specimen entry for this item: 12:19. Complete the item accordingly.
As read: 11:59
